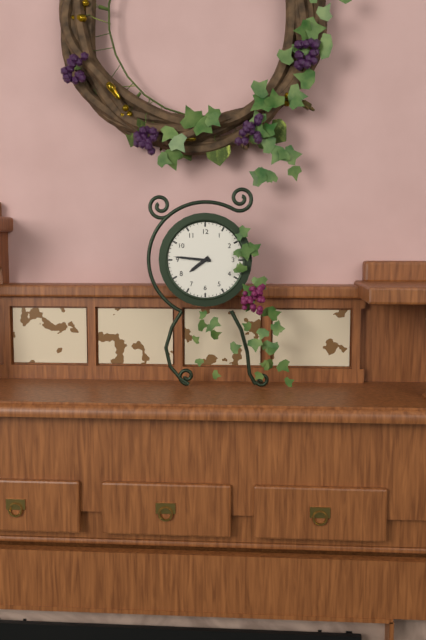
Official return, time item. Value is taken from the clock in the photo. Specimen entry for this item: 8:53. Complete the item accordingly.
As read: 7:46
